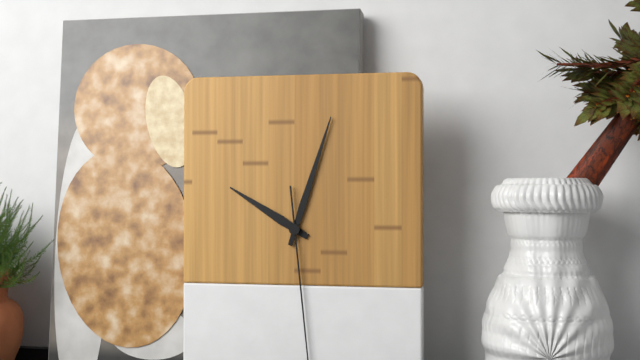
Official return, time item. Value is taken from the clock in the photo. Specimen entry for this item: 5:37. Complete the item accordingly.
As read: 10:03
